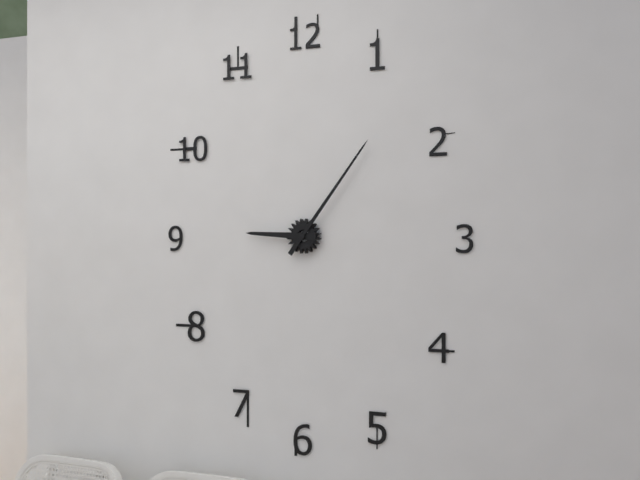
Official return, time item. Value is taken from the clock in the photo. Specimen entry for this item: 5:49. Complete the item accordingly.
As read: 9:06
